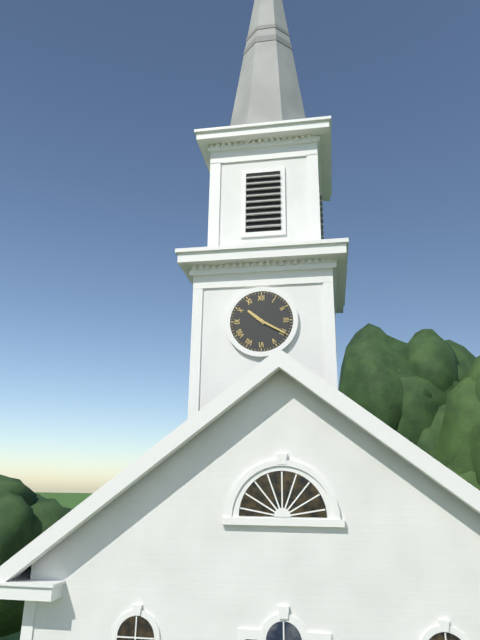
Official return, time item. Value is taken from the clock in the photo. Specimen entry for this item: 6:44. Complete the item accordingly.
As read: 10:20
